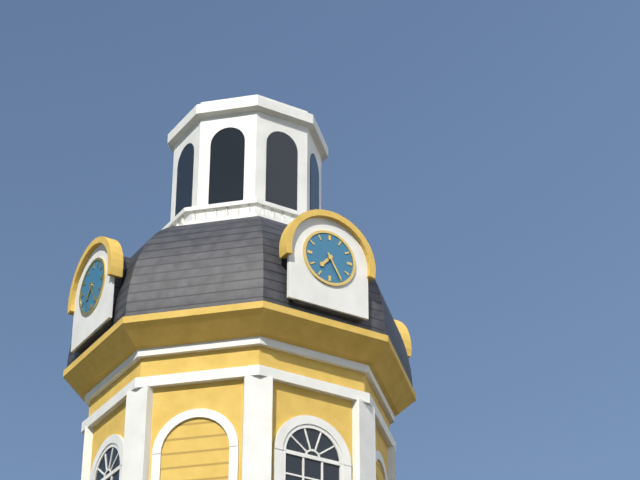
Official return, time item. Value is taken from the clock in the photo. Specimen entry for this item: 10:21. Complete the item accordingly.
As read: 7:25
